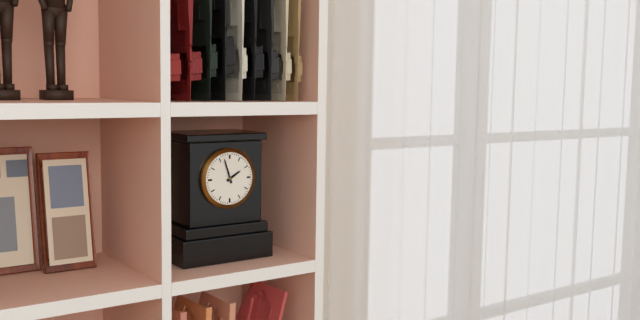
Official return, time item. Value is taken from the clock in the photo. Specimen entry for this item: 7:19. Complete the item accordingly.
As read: 1:57
